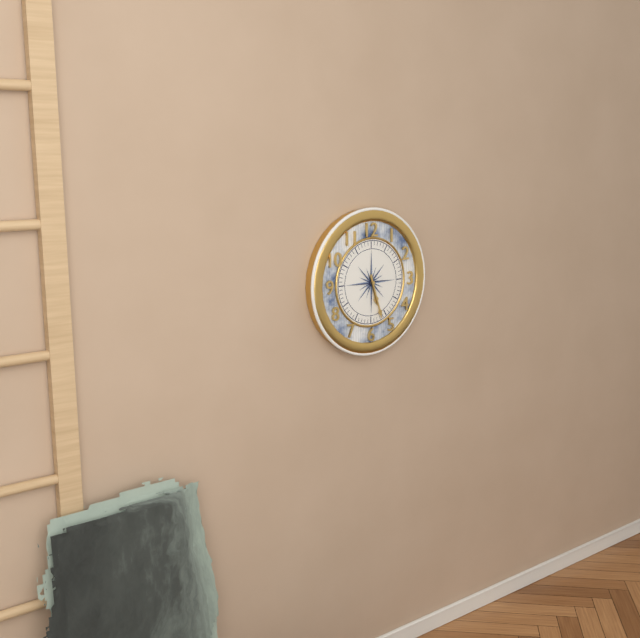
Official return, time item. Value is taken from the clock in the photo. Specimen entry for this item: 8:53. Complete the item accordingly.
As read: 5:27
